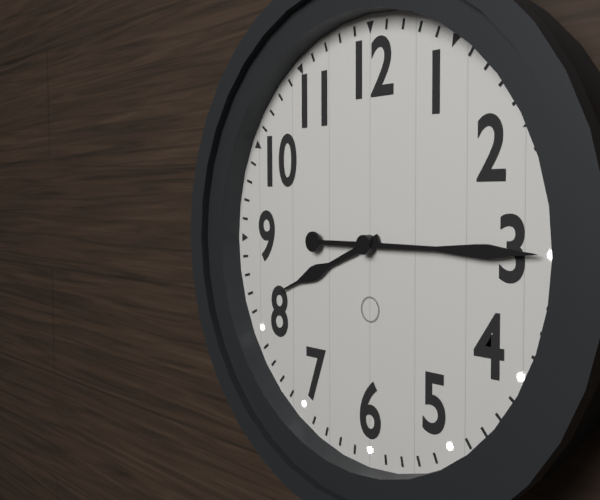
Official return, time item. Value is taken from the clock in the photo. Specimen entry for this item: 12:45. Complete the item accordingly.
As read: 8:15
